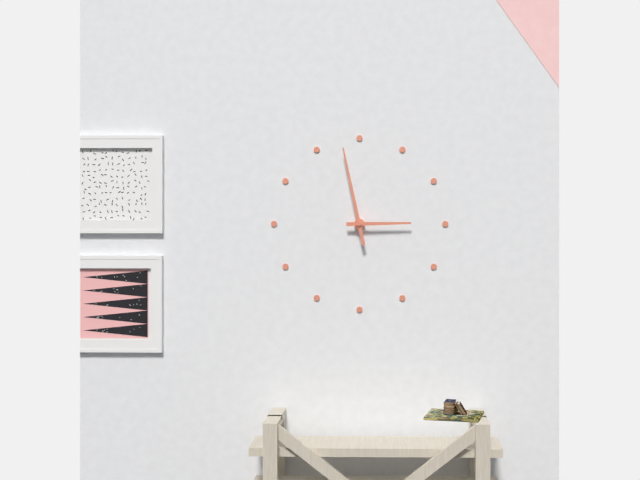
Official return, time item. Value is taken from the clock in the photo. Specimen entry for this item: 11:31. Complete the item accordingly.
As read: 2:58
